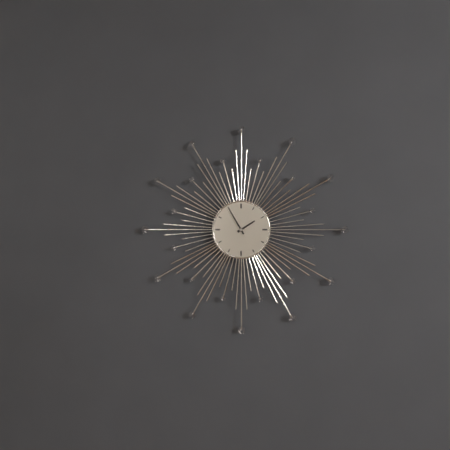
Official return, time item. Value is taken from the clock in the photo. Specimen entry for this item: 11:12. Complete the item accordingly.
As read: 1:55
